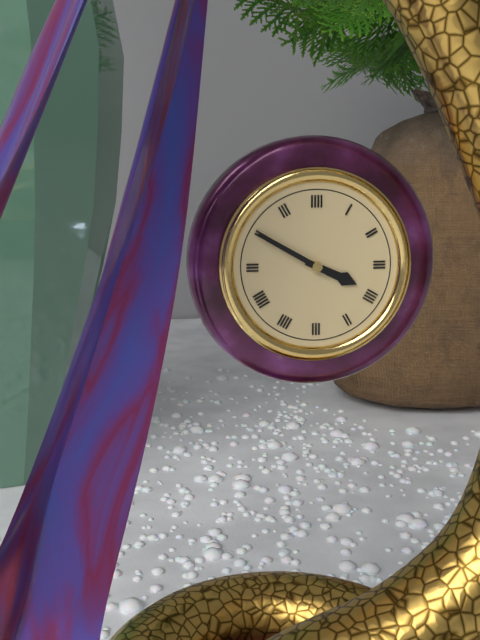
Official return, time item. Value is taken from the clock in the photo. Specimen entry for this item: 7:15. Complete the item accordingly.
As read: 3:50
